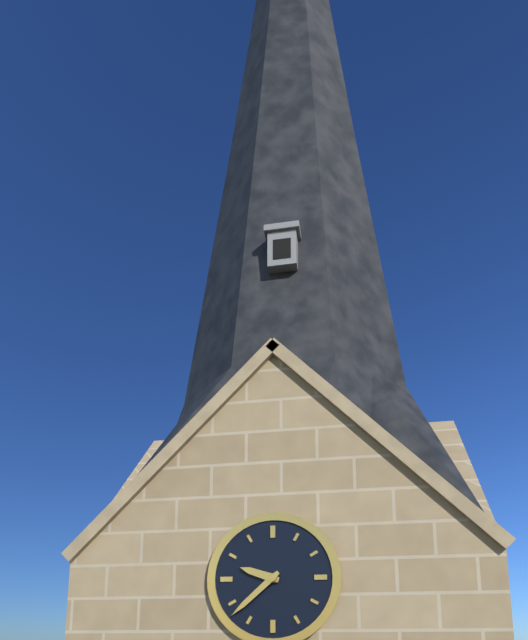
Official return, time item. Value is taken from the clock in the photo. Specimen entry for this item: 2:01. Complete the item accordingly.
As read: 9:38
